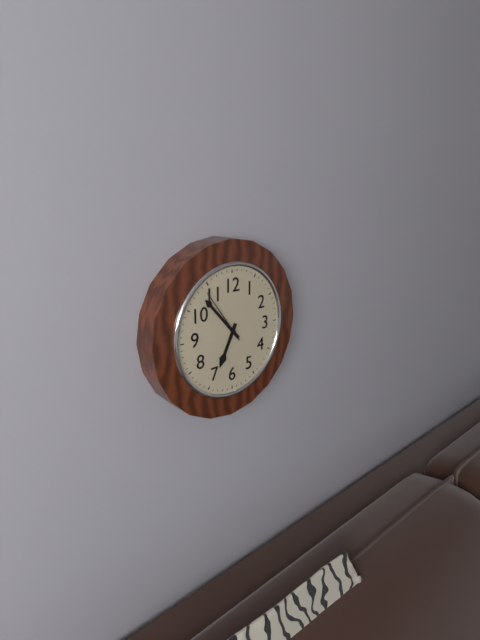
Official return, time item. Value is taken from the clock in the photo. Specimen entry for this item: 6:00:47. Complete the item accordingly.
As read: 6:53:54
